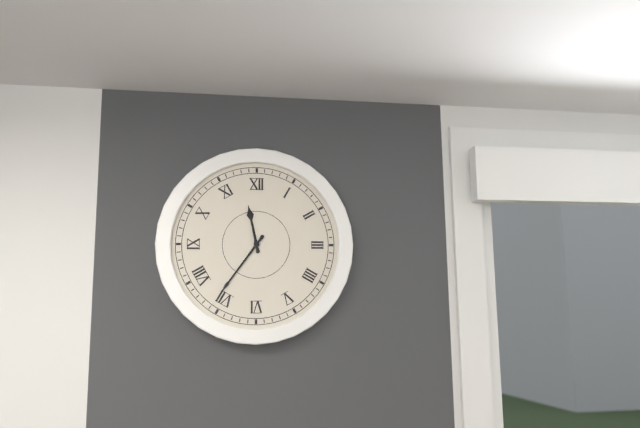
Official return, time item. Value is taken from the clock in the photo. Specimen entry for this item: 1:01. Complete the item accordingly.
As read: 11:36
